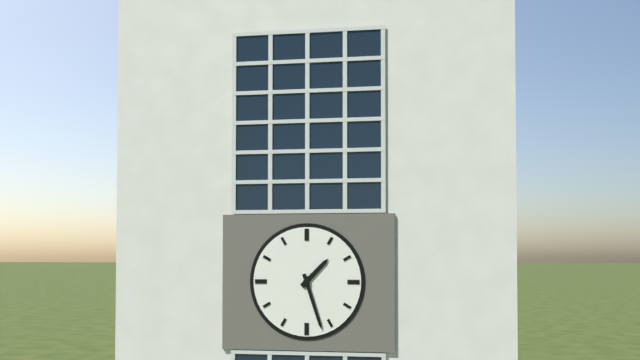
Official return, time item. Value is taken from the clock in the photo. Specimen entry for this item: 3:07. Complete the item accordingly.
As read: 1:27
